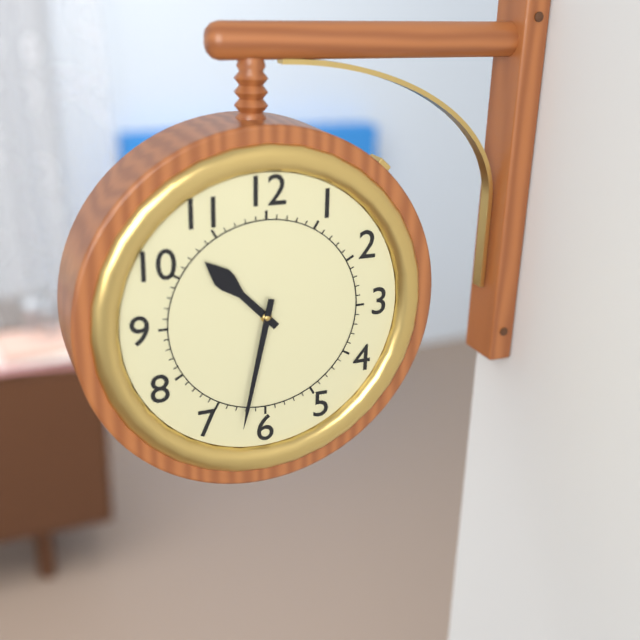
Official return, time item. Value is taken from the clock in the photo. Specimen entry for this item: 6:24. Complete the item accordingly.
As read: 10:32
